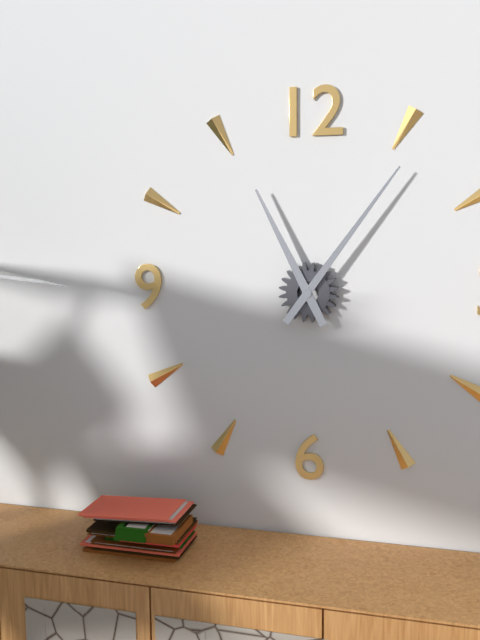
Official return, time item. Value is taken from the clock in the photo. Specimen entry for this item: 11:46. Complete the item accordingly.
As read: 11:06
